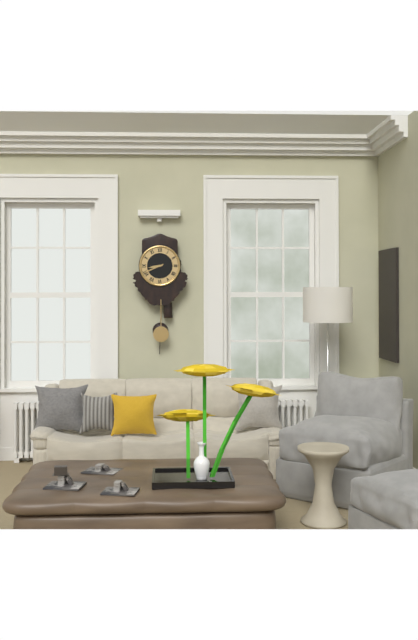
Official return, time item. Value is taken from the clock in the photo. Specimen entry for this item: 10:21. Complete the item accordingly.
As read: 8:41
